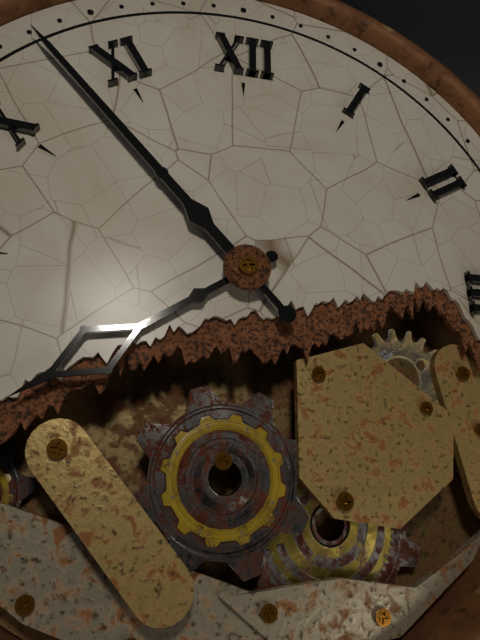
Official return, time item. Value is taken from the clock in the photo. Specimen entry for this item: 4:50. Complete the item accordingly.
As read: 7:53
